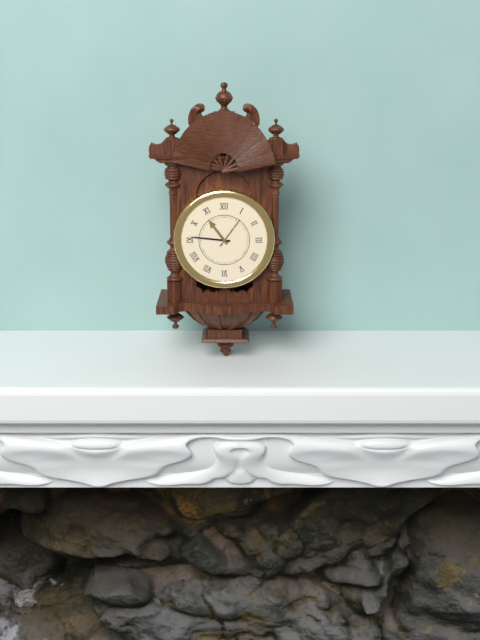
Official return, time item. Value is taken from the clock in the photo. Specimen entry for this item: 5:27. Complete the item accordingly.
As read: 10:46
